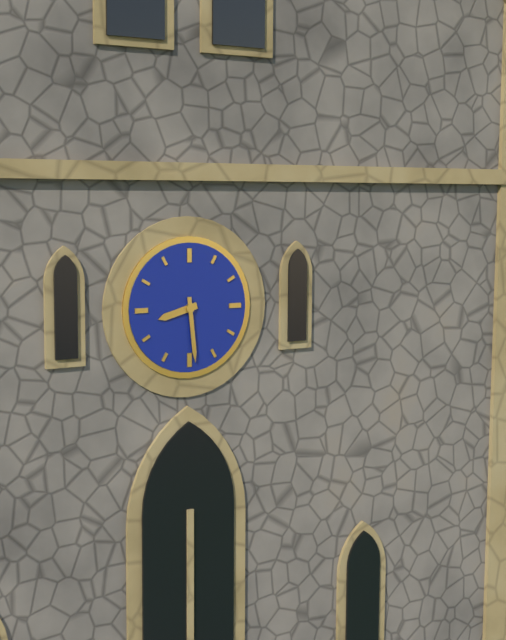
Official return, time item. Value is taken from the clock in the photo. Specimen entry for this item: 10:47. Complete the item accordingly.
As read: 8:29
